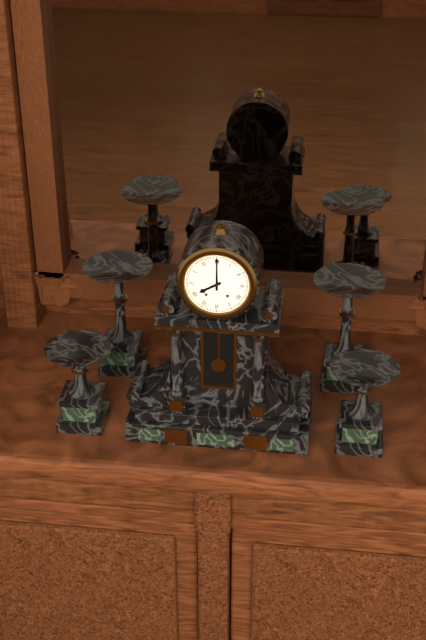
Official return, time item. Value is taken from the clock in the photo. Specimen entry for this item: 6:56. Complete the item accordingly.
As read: 8:00
